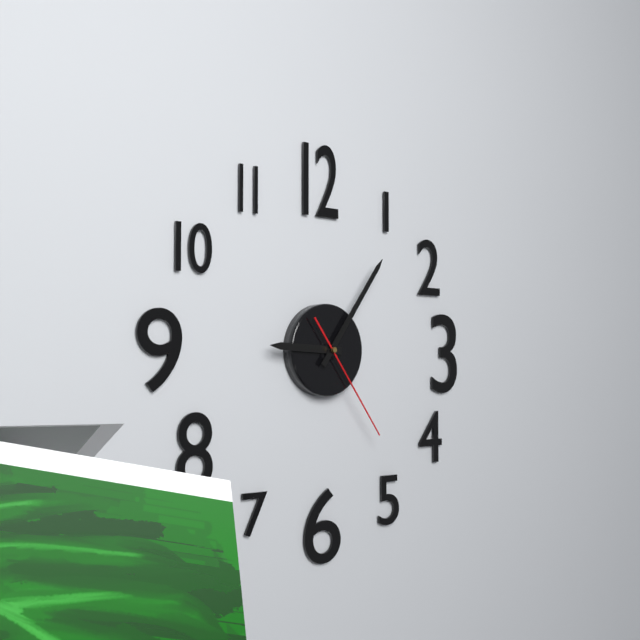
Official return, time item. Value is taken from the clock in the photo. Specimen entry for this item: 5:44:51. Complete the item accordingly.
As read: 9:06:24
